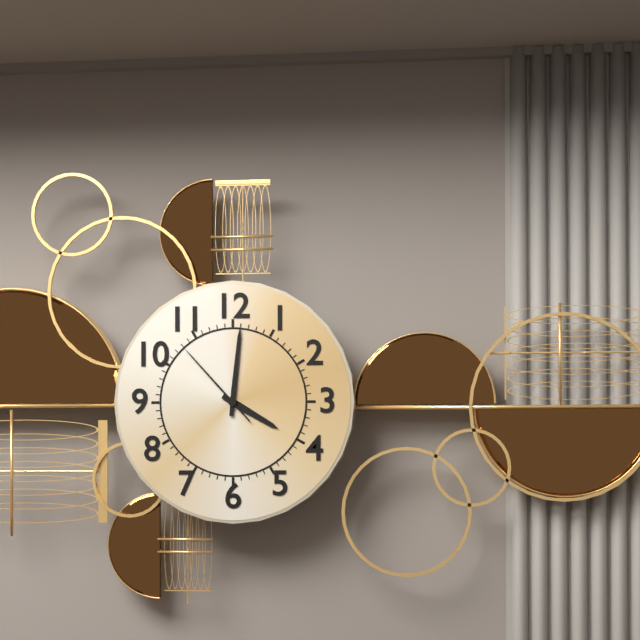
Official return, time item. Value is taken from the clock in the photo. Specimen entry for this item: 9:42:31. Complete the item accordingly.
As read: 4:01:53
